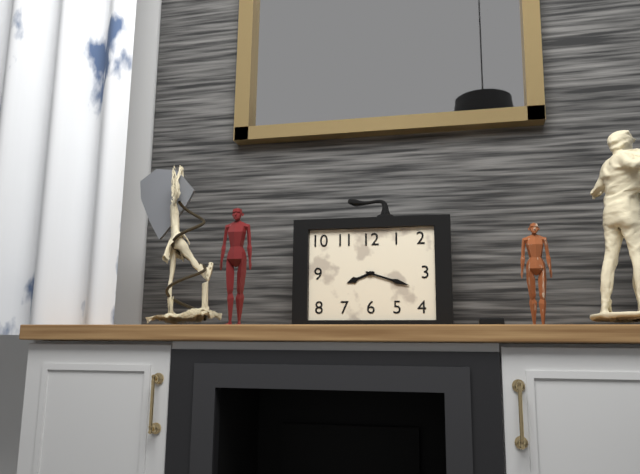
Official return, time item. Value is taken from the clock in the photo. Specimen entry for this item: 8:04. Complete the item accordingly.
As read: 8:18
